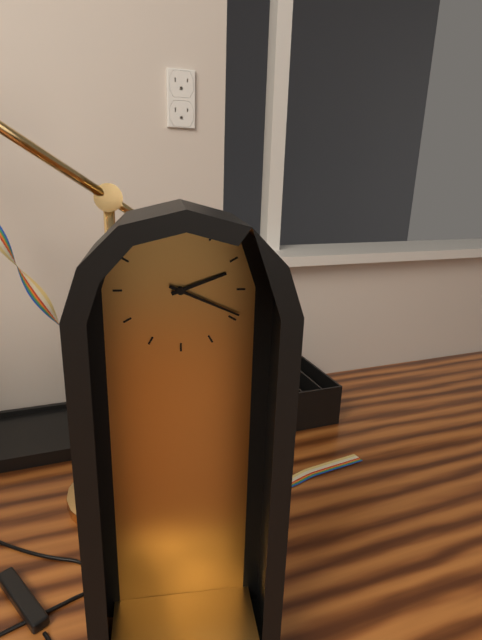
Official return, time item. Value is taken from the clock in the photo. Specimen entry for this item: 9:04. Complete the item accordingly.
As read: 2:19
